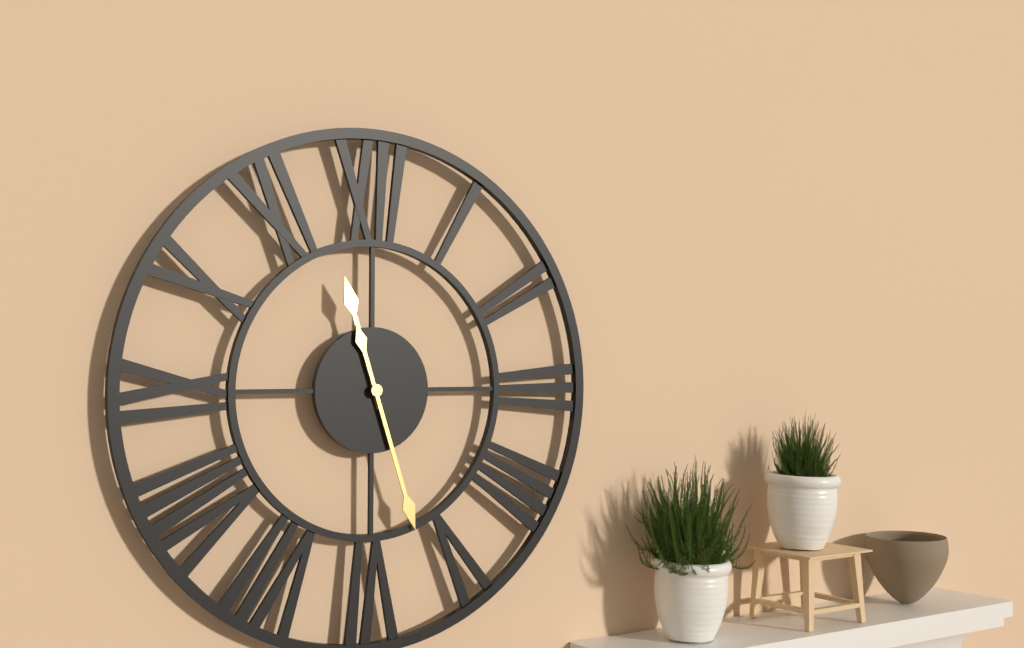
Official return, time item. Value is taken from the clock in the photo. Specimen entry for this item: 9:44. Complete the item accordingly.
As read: 11:27
